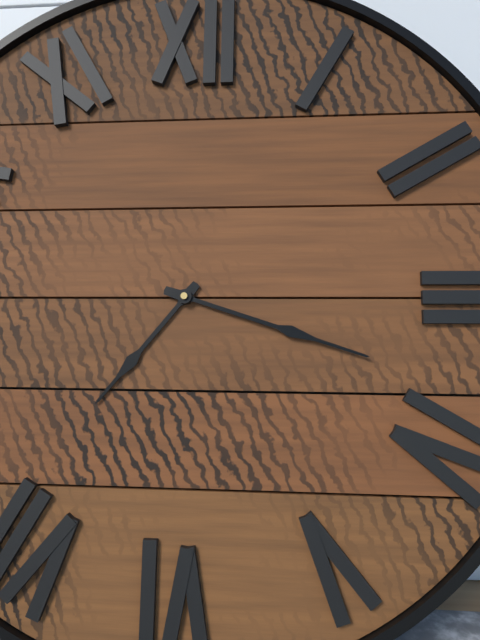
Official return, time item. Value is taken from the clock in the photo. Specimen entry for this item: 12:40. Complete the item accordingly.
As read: 7:18
